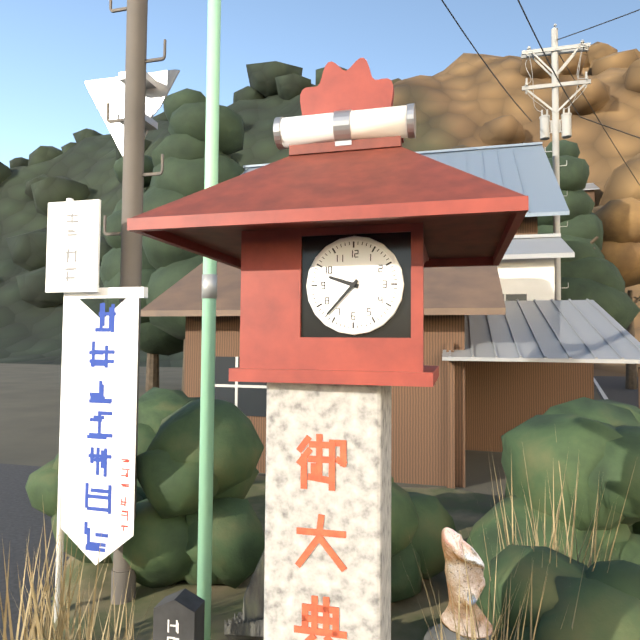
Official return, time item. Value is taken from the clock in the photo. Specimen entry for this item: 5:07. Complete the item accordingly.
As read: 9:37
